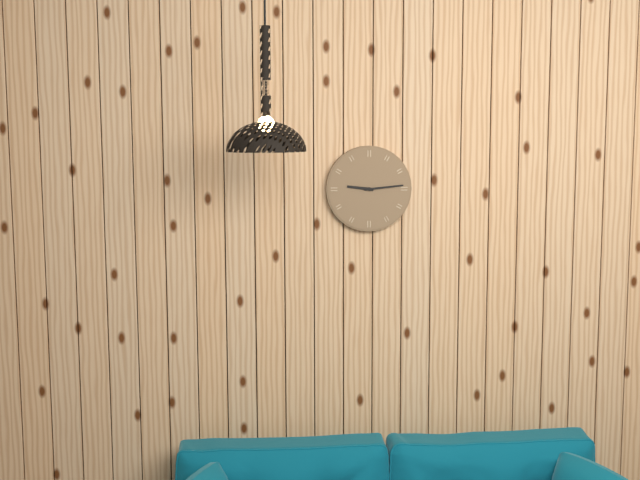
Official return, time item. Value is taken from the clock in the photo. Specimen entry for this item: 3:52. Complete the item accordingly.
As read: 9:14
